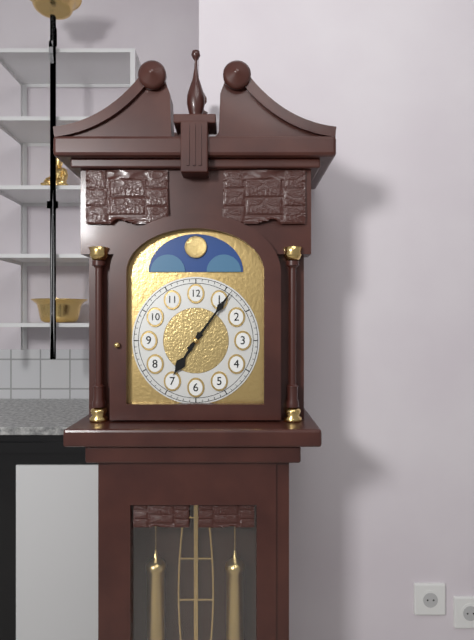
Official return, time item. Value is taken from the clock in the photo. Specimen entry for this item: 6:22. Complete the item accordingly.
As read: 7:06
